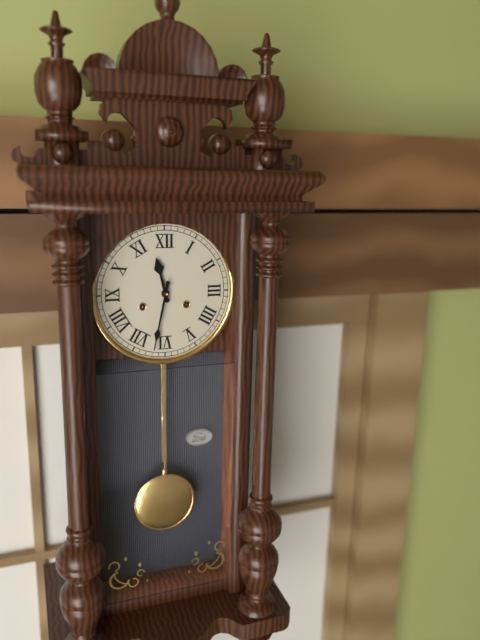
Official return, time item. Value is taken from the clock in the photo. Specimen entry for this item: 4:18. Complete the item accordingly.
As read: 11:32
